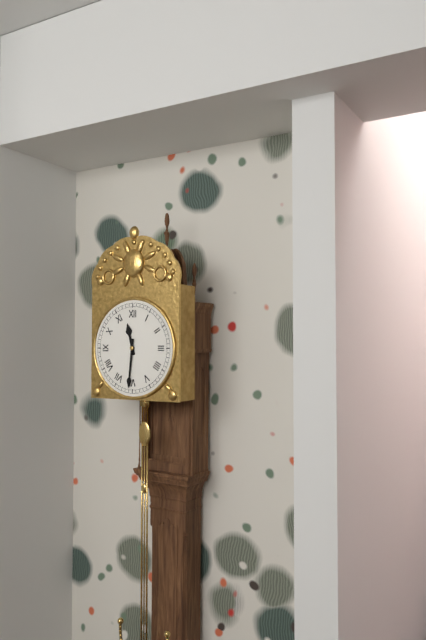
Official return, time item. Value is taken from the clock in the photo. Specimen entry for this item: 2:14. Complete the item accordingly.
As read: 11:31
